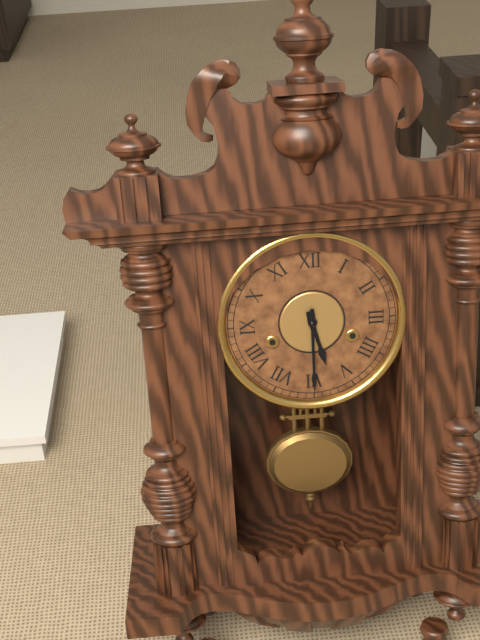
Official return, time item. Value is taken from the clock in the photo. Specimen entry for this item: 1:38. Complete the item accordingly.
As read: 5:30
